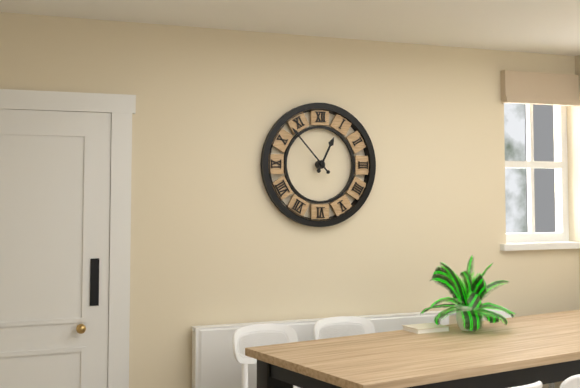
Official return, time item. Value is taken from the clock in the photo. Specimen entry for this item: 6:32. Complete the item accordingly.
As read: 12:53
